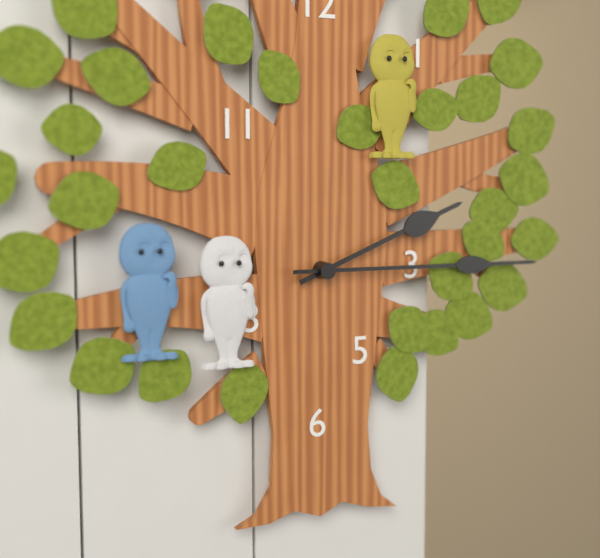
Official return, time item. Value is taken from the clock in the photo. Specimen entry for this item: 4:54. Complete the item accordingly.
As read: 2:15
